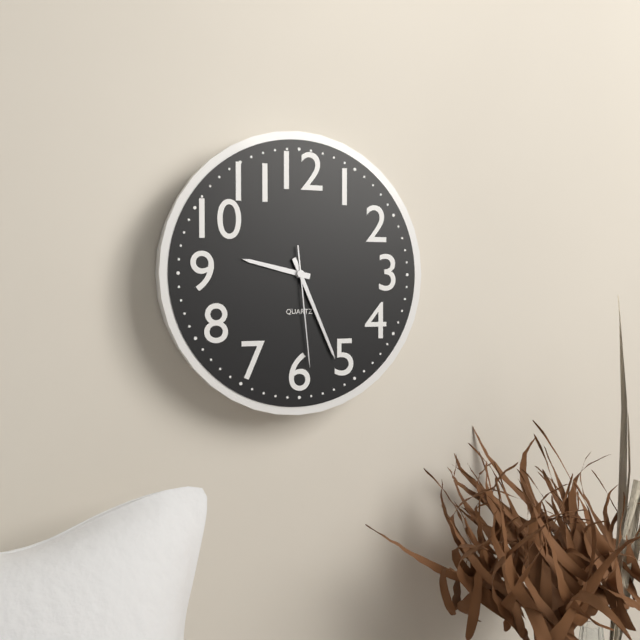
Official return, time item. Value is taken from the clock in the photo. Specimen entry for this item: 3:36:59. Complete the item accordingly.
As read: 9:26:29
